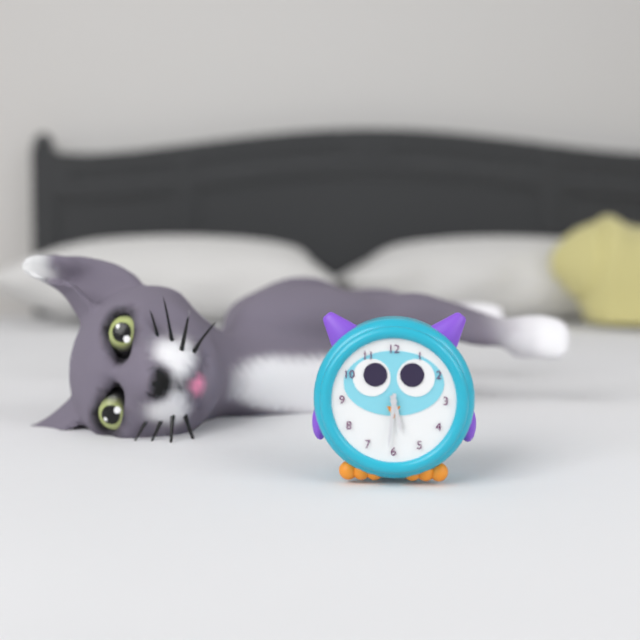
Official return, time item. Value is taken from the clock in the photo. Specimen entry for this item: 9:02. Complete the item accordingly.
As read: 5:31
